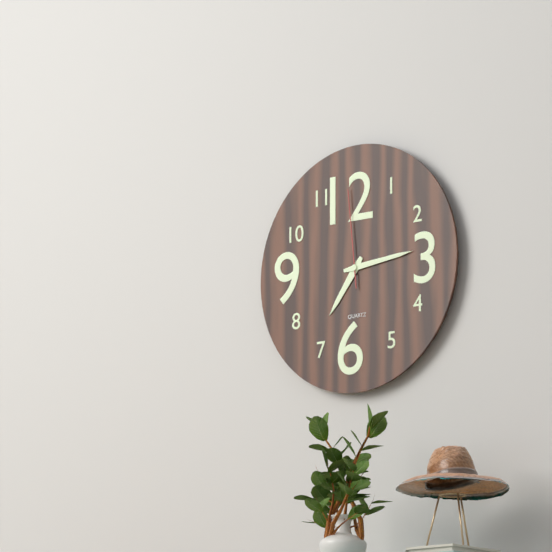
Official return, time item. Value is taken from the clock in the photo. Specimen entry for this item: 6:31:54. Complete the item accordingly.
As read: 7:14:59
